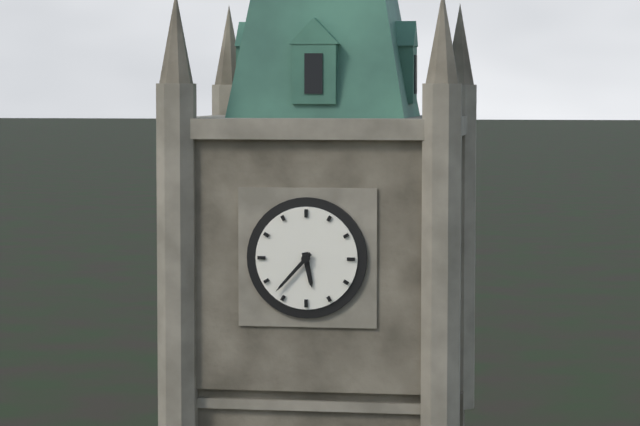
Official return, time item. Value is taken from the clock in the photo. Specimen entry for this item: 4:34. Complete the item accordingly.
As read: 5:37
